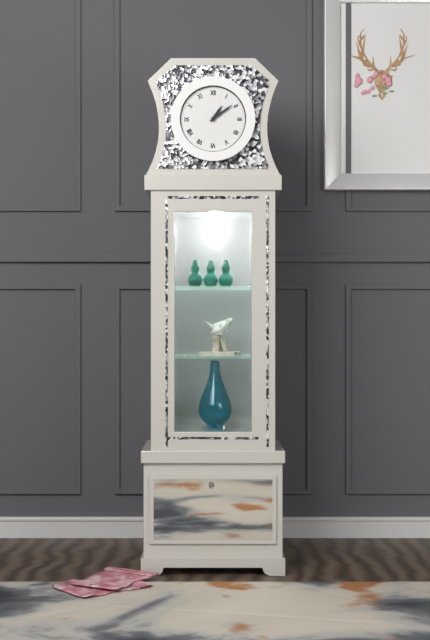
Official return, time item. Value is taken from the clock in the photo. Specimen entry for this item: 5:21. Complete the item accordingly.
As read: 1:09
